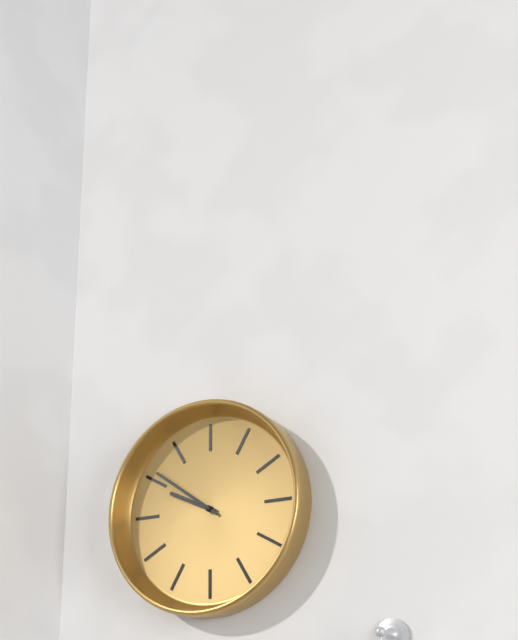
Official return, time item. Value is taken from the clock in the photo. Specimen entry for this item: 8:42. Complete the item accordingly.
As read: 9:51
